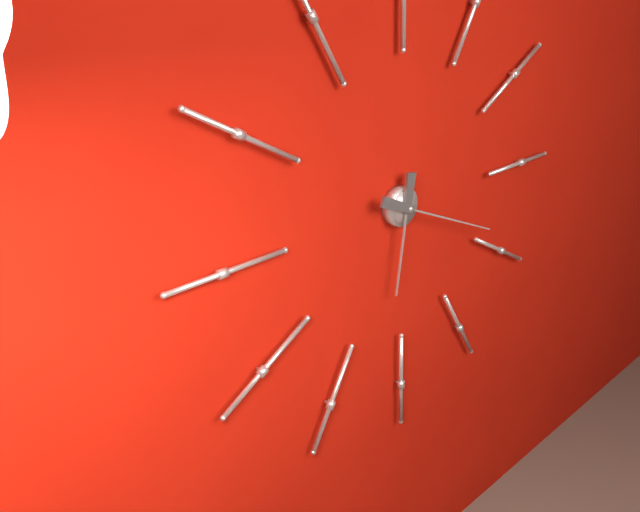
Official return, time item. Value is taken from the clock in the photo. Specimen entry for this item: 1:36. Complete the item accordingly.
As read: 6:19
